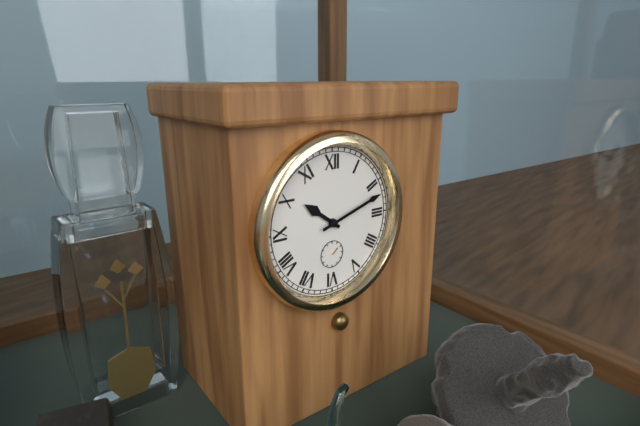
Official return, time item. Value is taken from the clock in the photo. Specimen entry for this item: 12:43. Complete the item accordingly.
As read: 10:12
